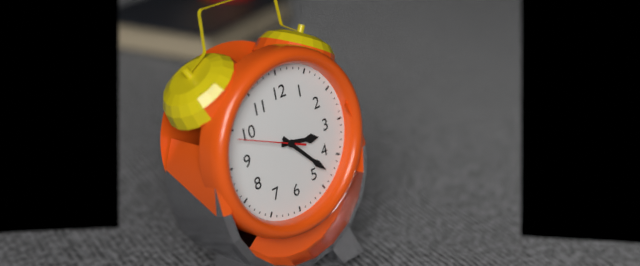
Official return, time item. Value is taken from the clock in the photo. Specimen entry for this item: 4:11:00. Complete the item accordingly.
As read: 3:23:49
